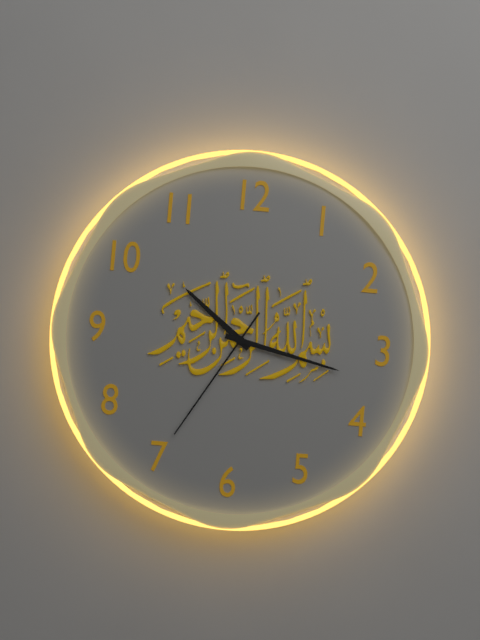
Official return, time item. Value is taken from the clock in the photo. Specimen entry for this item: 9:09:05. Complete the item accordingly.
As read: 10:17:35
